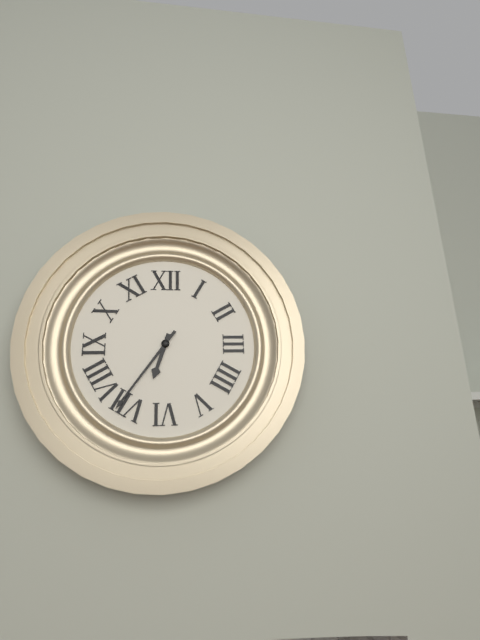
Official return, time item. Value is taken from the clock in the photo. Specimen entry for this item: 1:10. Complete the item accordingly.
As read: 6:36
